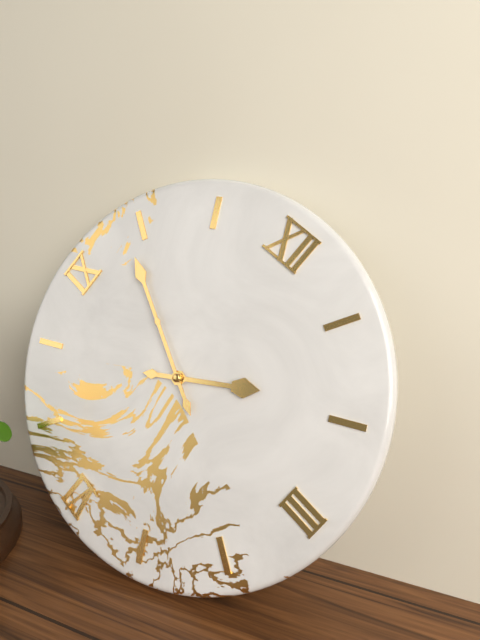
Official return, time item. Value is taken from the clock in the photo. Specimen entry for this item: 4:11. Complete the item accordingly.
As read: 1:49
